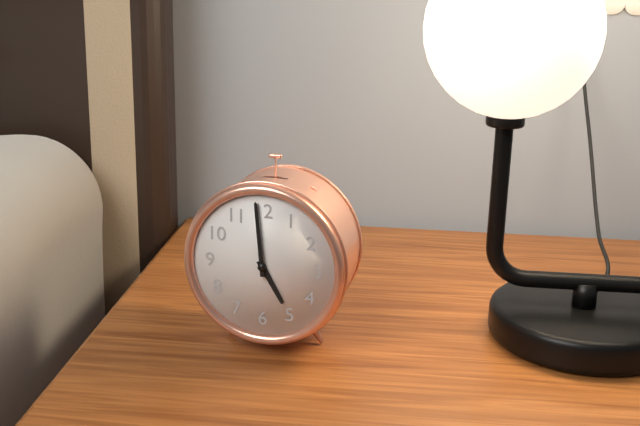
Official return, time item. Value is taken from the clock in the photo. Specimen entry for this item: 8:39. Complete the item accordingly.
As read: 4:59
